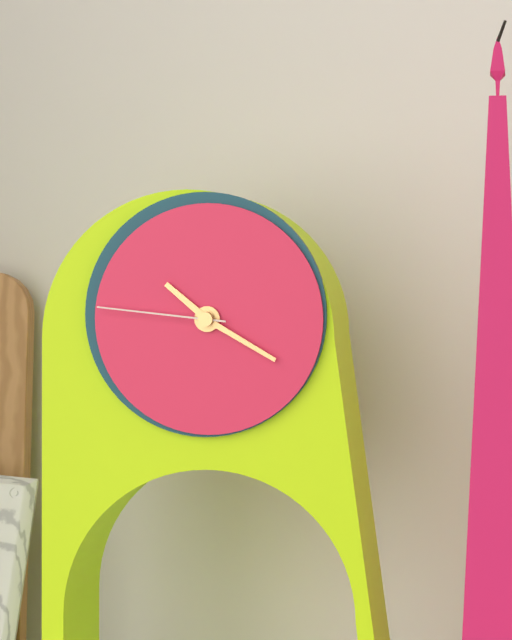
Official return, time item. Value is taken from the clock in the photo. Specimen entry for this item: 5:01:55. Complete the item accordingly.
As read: 10:20:46
